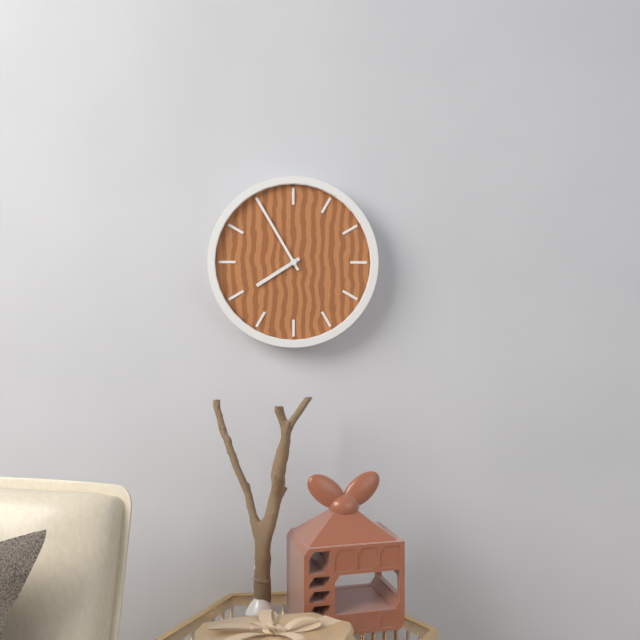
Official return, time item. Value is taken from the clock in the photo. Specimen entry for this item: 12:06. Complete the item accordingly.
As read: 7:55
